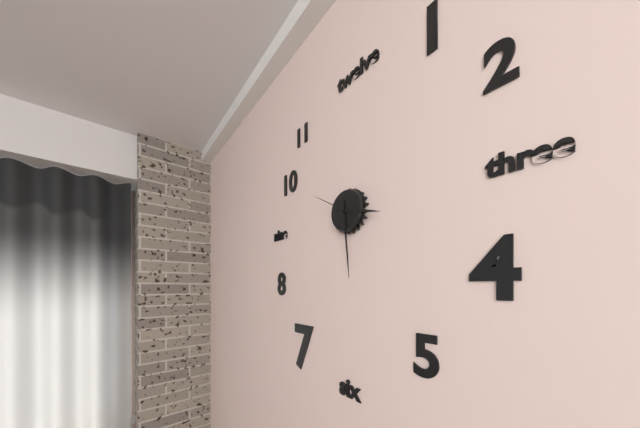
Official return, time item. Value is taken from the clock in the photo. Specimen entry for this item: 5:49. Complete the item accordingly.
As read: 3:29
